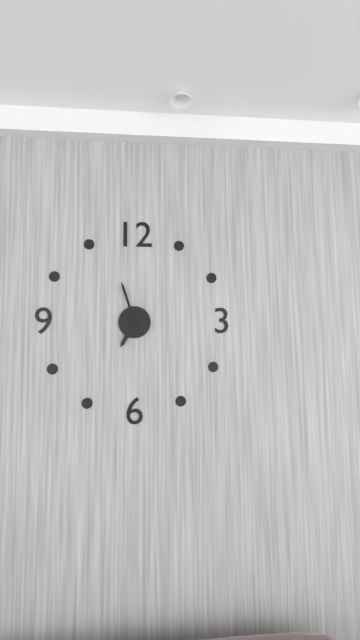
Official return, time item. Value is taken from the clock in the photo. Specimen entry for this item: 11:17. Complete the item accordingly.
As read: 6:57
